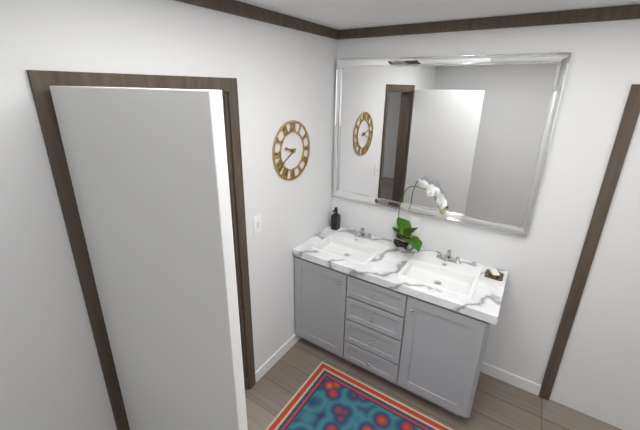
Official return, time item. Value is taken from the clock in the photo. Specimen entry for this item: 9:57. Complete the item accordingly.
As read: 9:40
